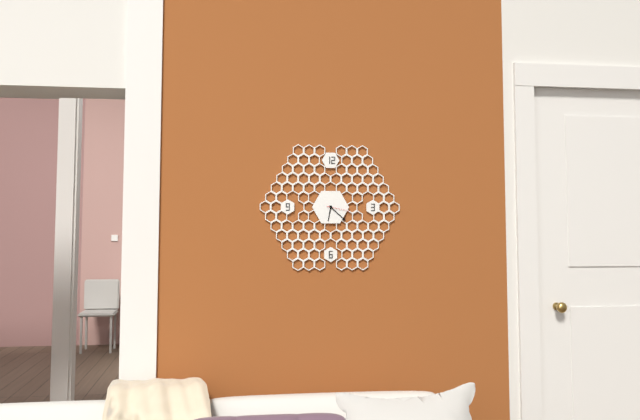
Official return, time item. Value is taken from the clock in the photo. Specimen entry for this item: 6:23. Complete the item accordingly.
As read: 6:22
